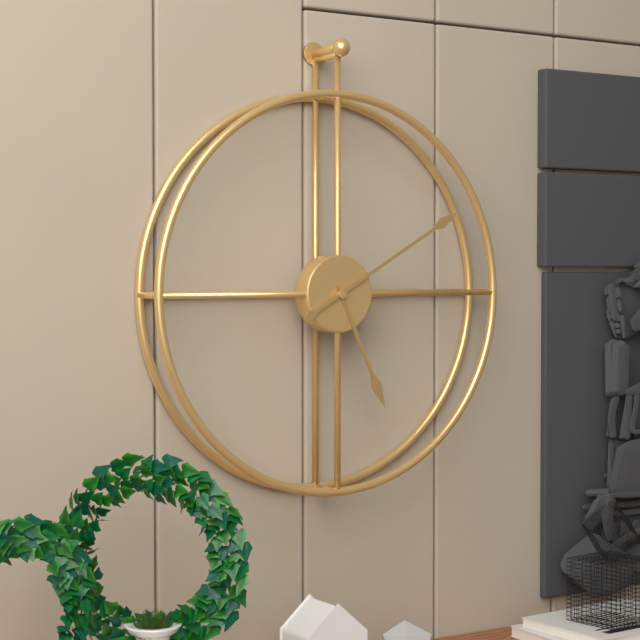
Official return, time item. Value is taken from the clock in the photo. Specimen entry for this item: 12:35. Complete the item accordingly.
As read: 5:10
